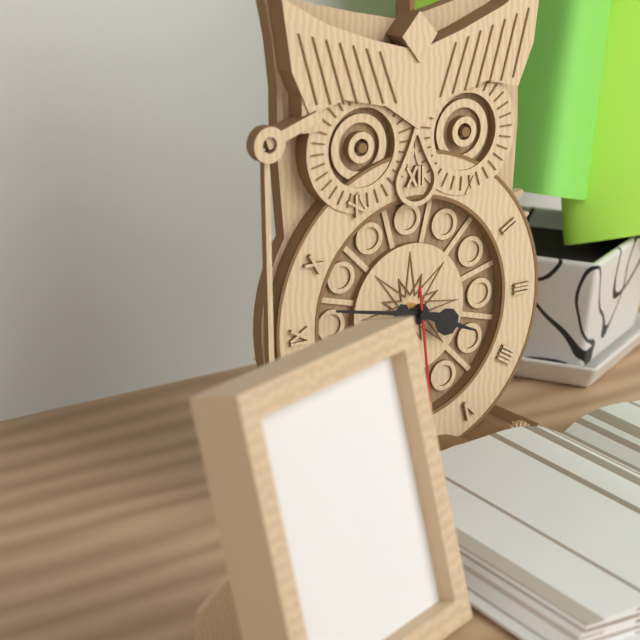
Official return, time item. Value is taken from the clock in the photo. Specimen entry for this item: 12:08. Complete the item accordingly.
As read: 3:47
